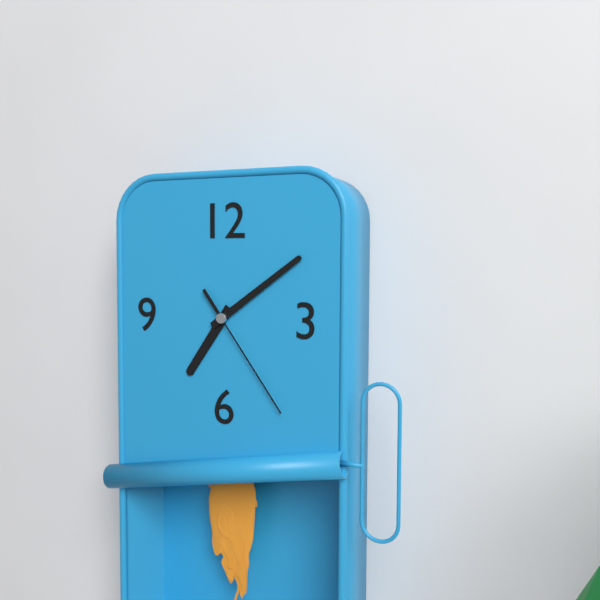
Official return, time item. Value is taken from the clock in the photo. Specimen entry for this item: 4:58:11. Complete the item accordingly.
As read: 7:09:24
